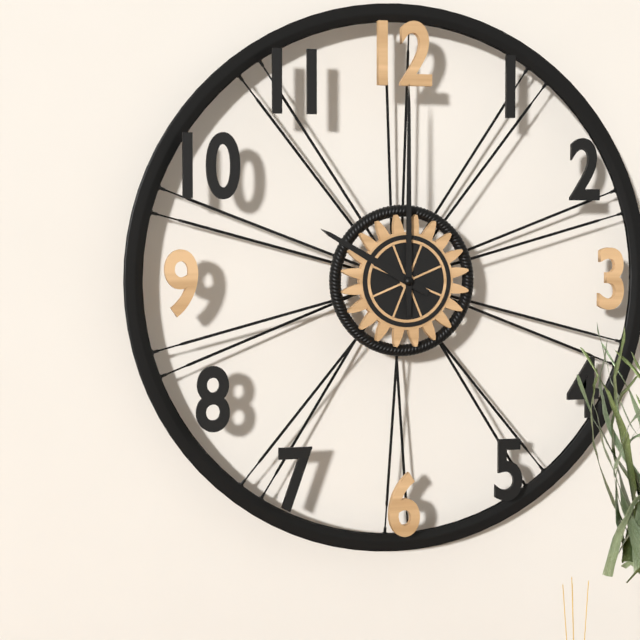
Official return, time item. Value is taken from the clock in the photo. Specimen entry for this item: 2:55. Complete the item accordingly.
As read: 10:00
